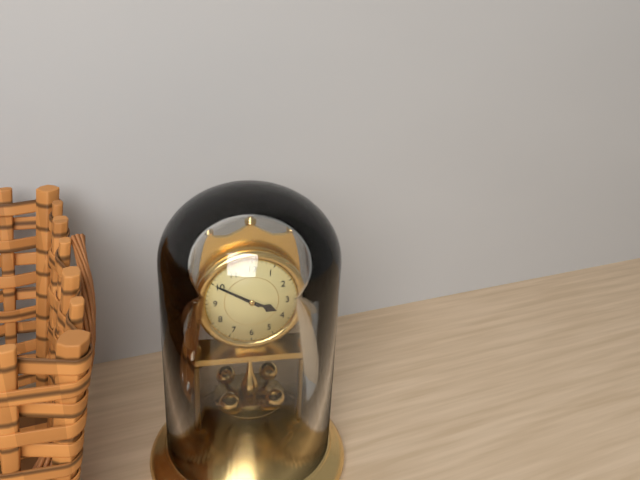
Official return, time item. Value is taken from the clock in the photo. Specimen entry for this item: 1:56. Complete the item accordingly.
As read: 3:50
